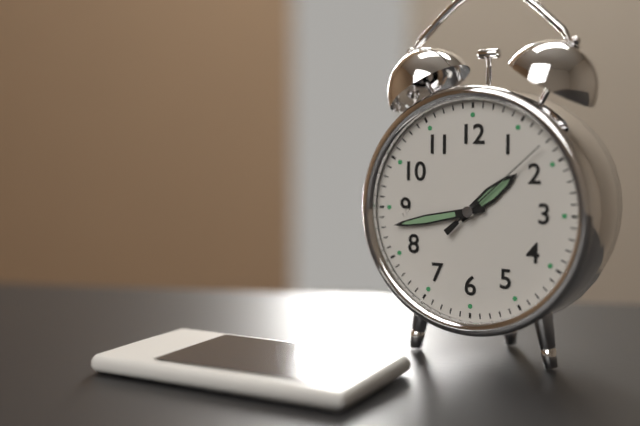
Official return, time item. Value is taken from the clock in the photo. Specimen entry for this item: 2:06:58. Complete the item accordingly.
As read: 1:43:08
